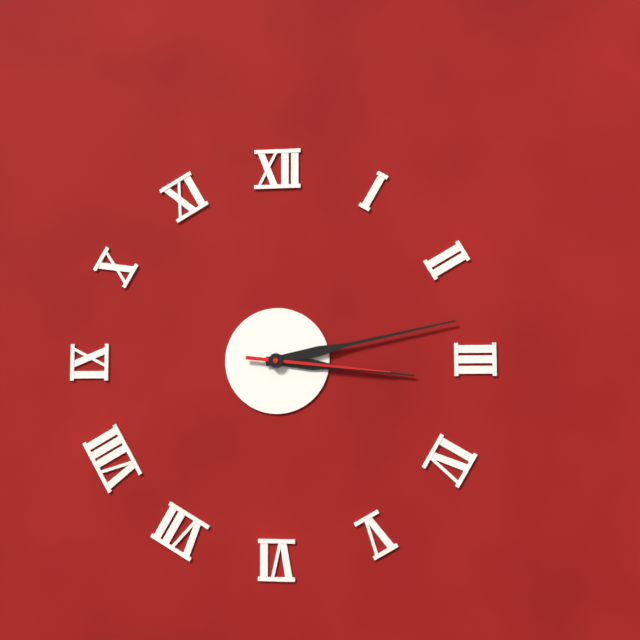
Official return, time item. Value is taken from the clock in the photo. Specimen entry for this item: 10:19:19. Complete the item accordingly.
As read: 3:13:16
